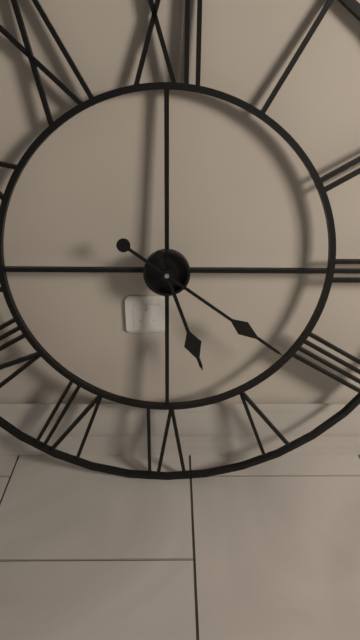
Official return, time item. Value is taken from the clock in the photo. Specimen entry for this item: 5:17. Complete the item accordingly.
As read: 5:21
